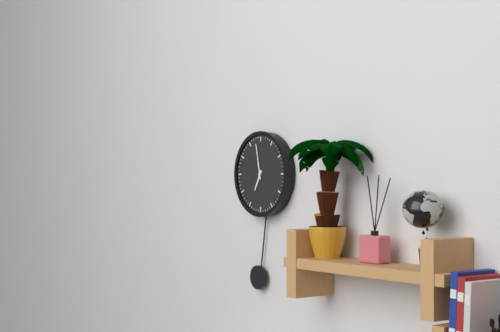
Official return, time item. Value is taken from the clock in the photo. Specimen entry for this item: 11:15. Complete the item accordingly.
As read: 6:58
